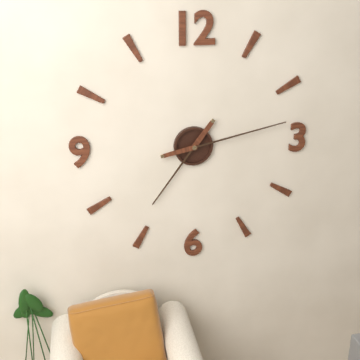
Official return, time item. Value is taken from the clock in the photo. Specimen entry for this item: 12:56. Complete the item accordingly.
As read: 7:13
